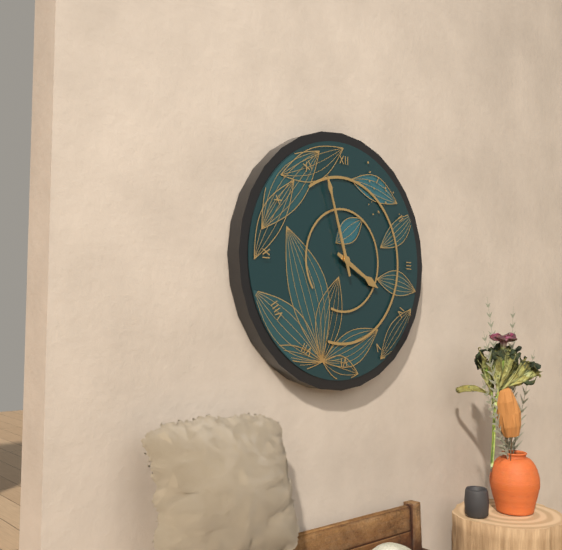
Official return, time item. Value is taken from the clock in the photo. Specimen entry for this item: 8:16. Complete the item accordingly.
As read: 3:57
